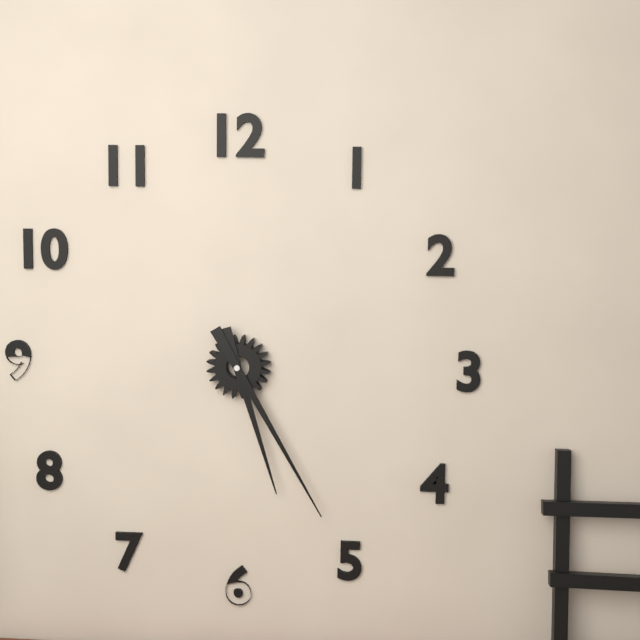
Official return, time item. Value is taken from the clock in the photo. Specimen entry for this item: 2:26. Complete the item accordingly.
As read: 5:25
